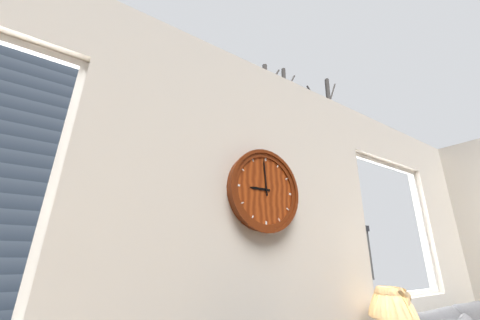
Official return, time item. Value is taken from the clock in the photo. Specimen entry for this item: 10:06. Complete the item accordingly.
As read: 8:59
